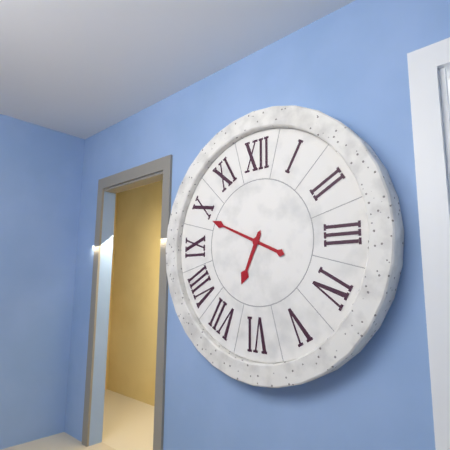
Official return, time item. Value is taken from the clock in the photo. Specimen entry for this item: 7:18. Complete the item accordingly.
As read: 6:49
